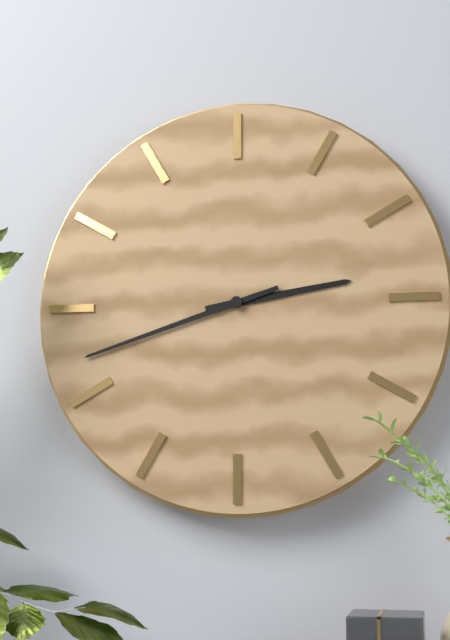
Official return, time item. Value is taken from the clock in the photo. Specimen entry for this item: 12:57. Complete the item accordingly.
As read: 2:42
